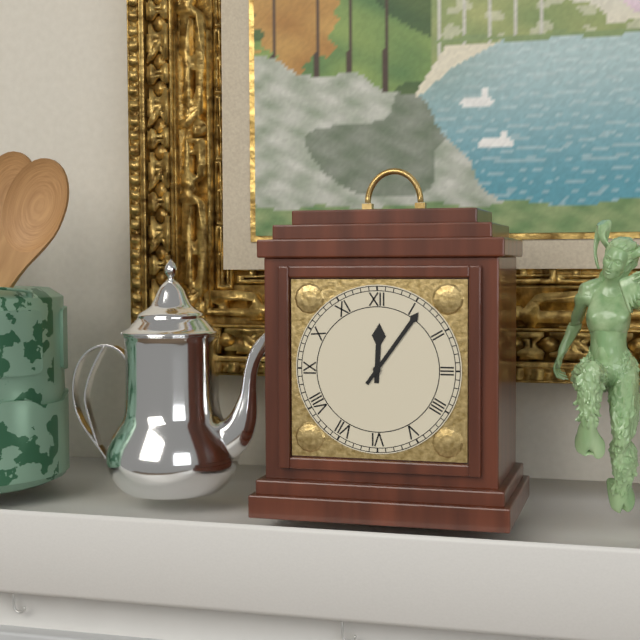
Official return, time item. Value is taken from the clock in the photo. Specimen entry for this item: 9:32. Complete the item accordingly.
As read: 12:06
